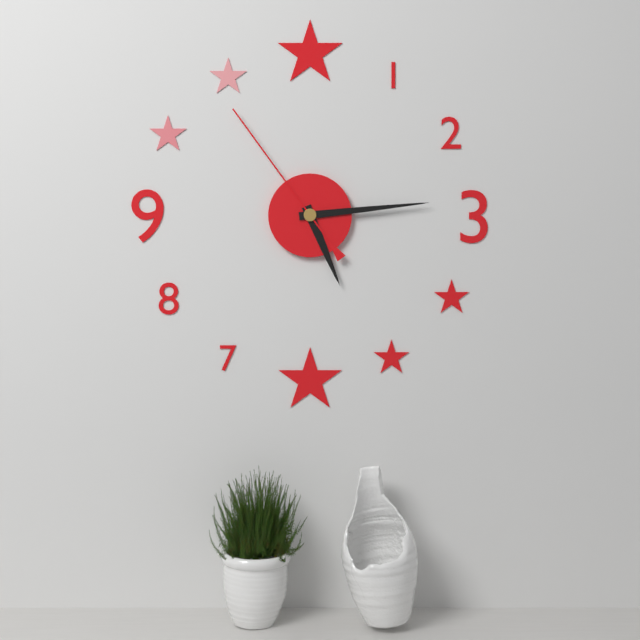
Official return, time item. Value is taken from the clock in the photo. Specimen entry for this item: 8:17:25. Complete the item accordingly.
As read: 5:14:54
